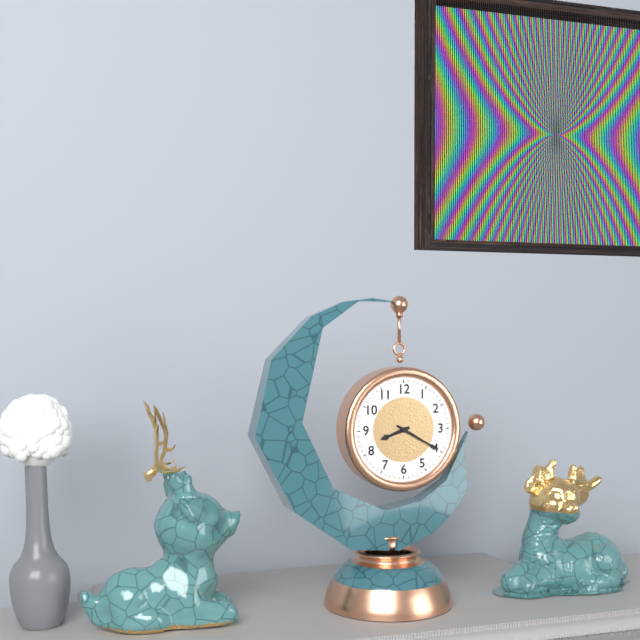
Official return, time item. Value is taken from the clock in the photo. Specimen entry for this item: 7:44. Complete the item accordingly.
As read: 8:20
